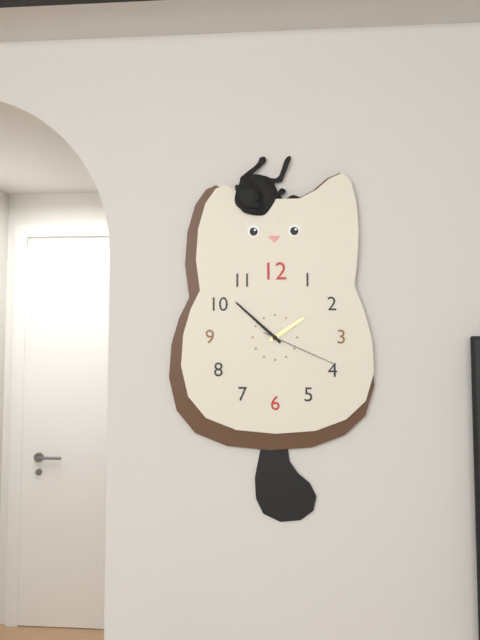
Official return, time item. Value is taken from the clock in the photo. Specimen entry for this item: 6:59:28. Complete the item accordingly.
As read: 1:52:19
